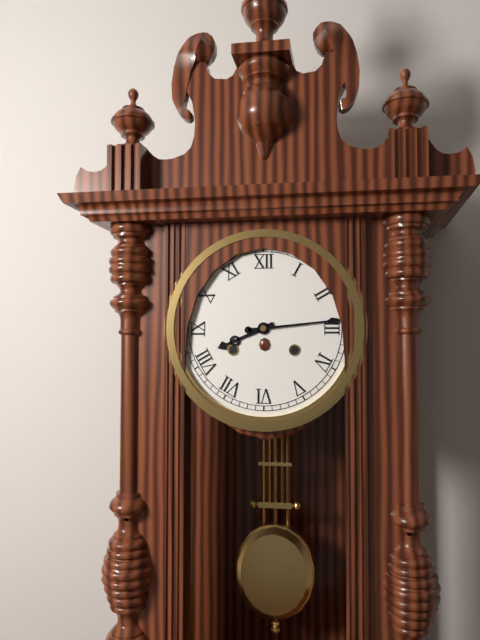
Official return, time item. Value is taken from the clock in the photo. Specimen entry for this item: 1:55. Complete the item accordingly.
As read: 8:14
